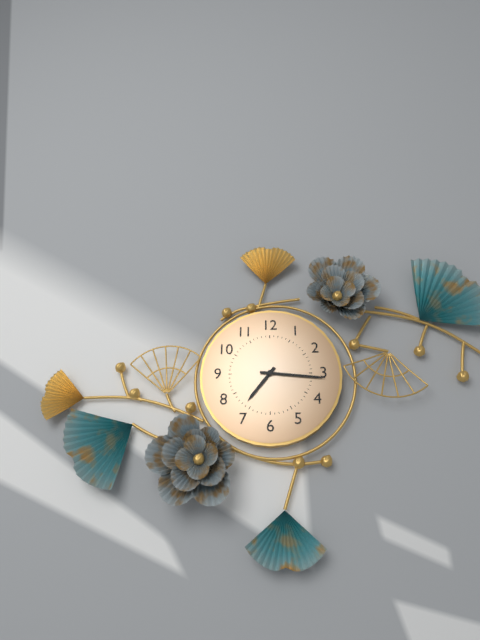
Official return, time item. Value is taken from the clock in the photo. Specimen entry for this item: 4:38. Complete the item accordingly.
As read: 7:16
